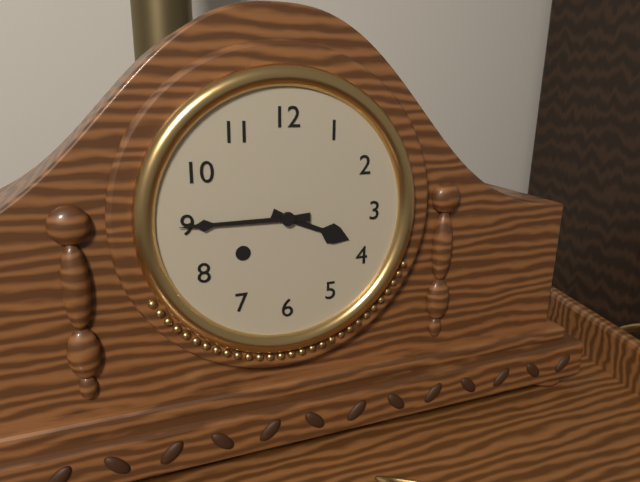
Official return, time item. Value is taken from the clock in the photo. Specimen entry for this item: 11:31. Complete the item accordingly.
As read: 3:45
